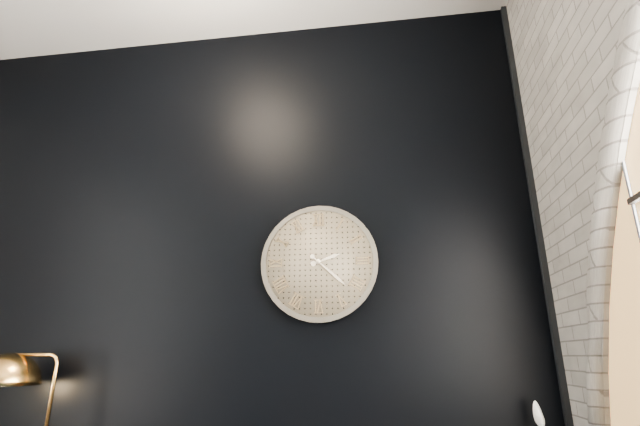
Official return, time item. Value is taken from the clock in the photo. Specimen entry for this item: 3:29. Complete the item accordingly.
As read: 2:22
